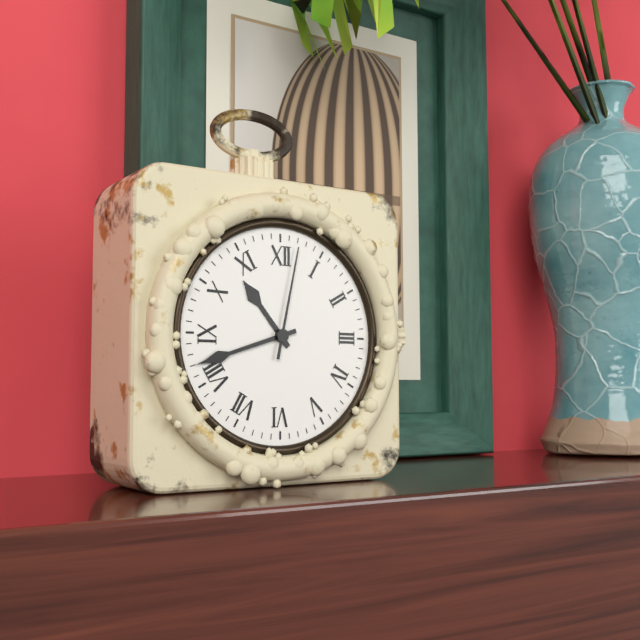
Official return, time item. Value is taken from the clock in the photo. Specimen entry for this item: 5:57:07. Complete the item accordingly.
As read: 10:42:02
